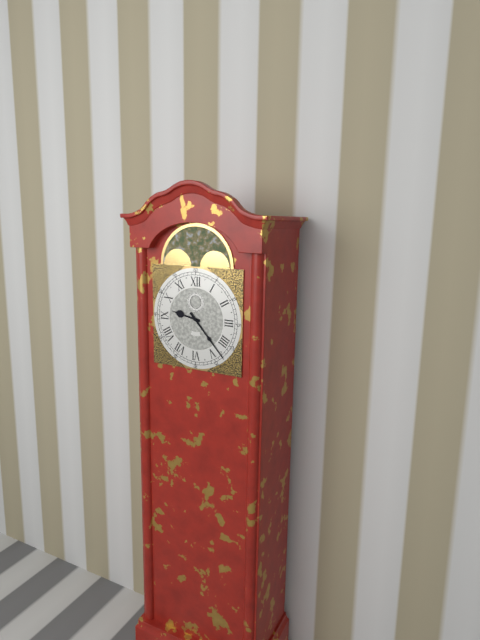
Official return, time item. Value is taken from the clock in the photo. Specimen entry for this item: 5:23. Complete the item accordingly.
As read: 9:23
